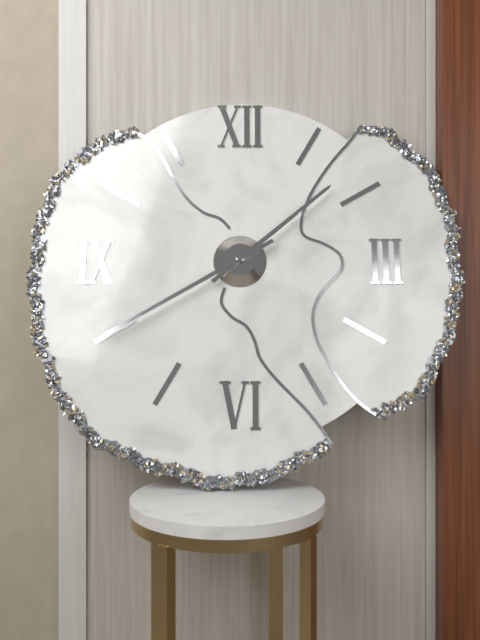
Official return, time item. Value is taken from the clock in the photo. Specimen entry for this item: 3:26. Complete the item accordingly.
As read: 1:40
